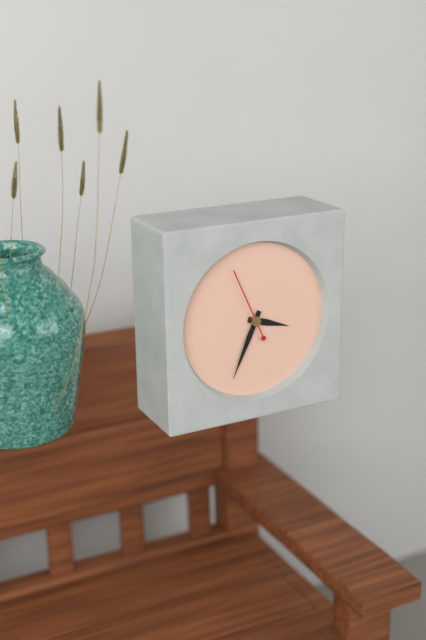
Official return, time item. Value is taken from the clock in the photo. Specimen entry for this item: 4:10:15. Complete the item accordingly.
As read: 3:34:56
